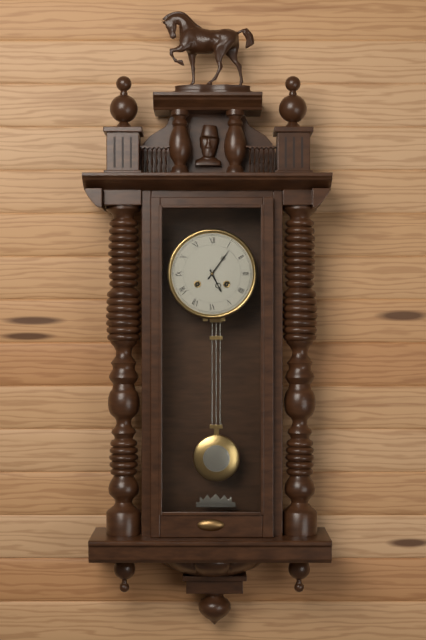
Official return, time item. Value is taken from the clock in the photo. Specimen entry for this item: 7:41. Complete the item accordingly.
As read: 5:06
